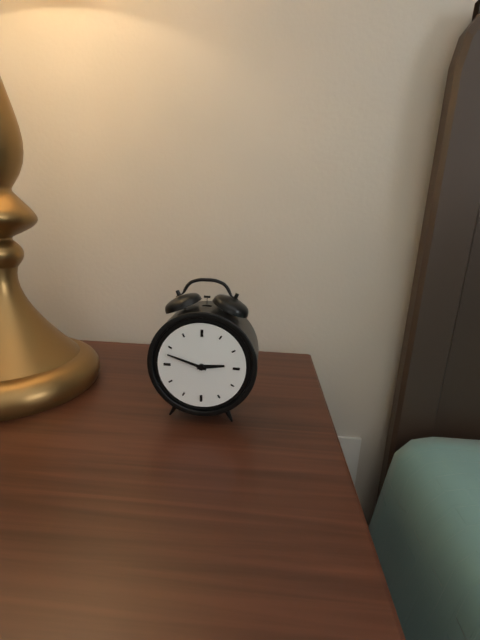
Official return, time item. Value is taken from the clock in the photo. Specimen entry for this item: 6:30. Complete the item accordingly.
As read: 2:48
